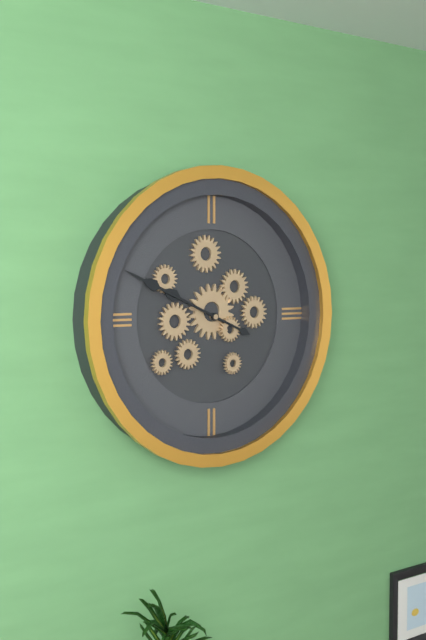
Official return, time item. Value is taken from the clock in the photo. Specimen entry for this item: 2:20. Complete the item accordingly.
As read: 9:49
